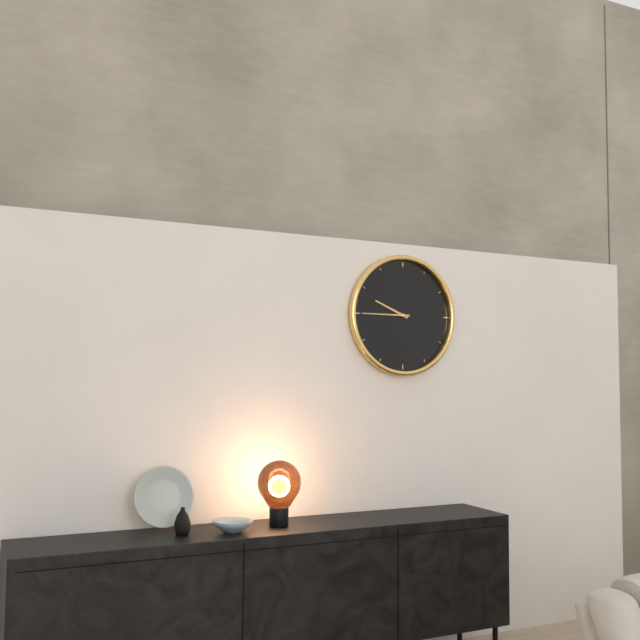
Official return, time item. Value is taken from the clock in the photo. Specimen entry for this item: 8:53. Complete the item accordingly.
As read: 9:45
